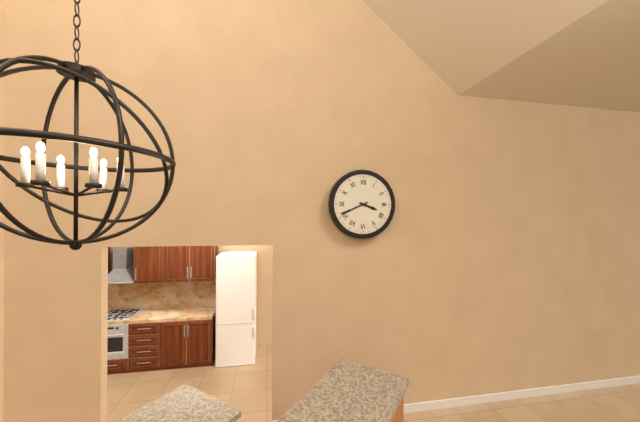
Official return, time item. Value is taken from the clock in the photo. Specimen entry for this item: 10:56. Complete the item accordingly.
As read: 3:41
